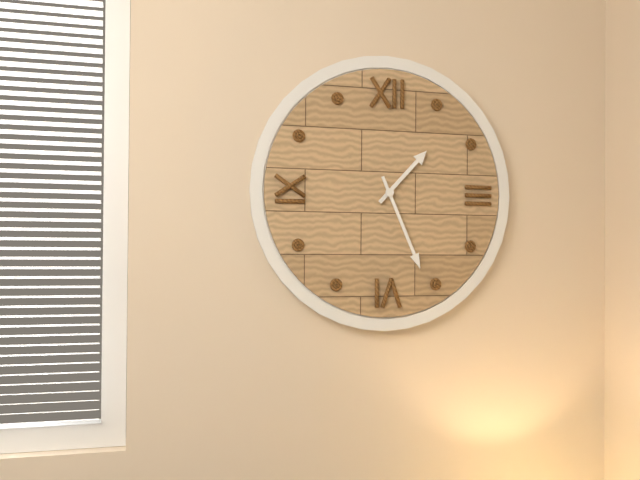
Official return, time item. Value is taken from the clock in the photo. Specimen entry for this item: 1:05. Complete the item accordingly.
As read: 1:26
